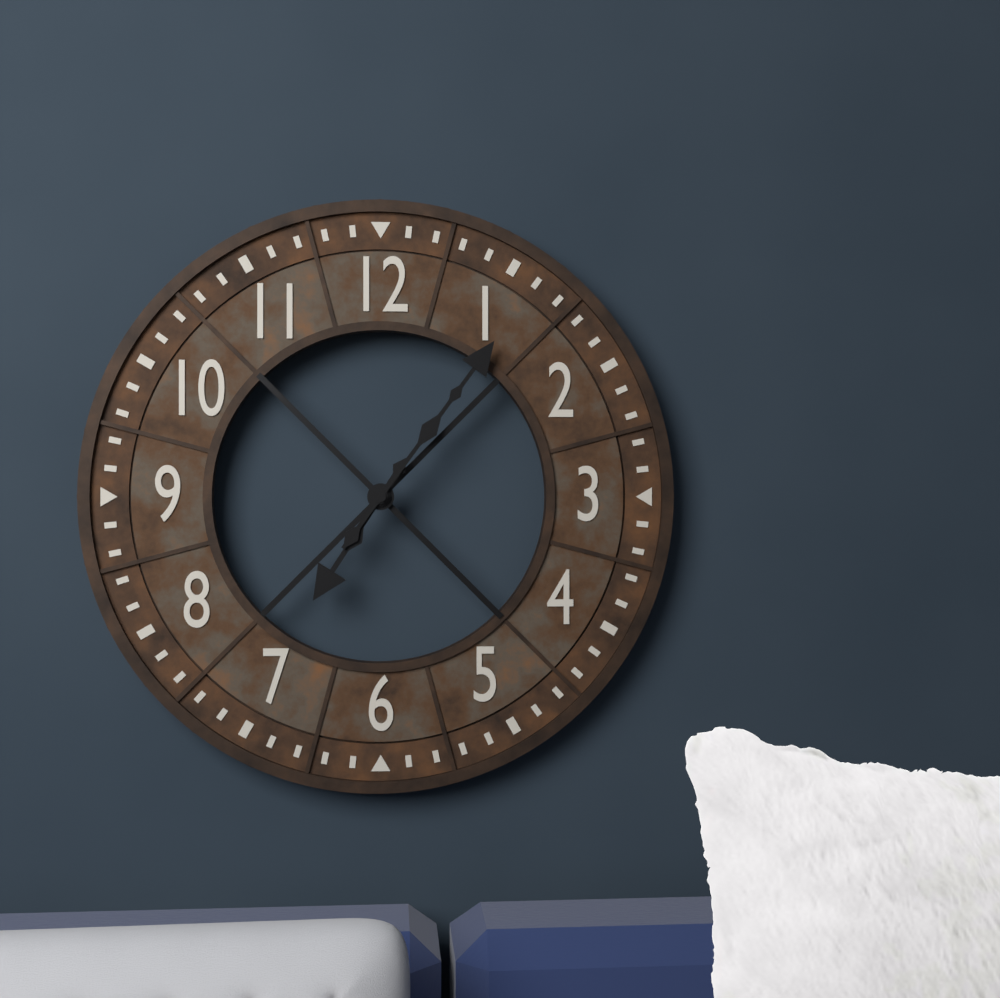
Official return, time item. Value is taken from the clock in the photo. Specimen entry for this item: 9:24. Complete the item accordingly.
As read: 7:06
